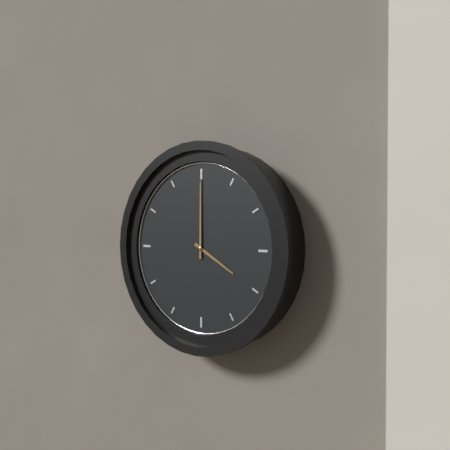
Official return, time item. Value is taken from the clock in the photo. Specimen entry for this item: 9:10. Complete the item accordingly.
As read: 4:00
